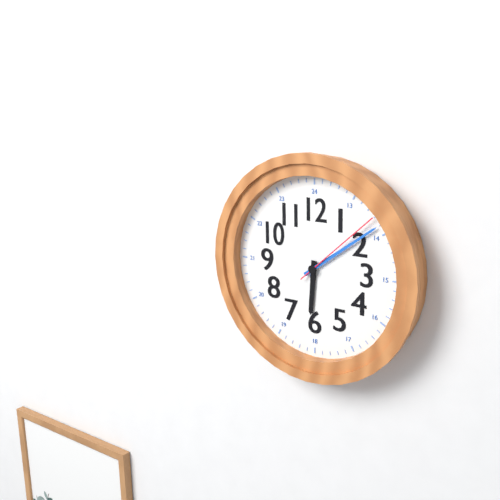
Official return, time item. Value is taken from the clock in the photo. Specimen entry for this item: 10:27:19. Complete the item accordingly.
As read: 6:09:08
